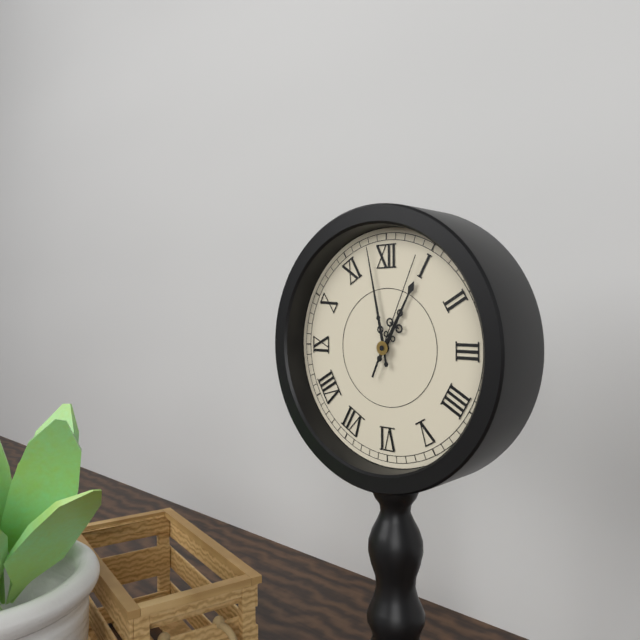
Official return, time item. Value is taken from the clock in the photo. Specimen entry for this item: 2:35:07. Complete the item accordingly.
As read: 12:58:04
